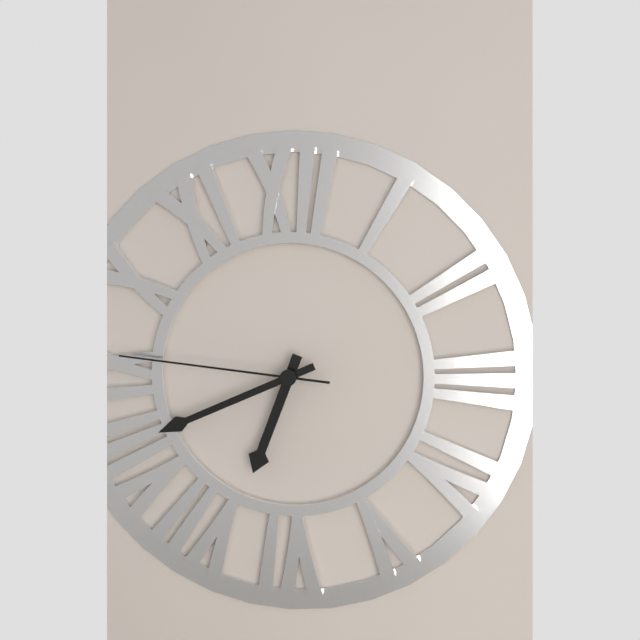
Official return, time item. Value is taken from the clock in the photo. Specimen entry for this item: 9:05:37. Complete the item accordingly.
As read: 6:41:46
